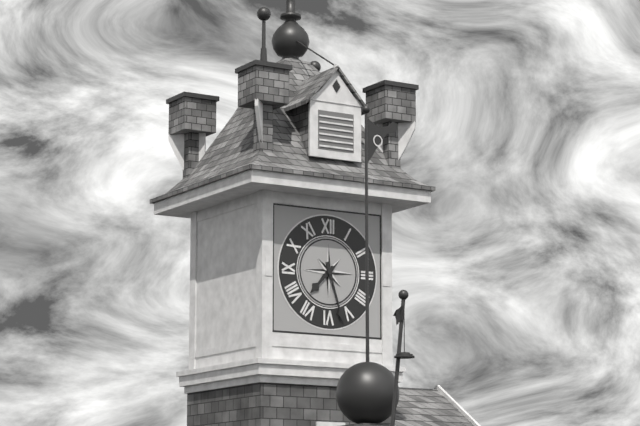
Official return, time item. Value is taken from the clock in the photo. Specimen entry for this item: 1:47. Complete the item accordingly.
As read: 7:27
